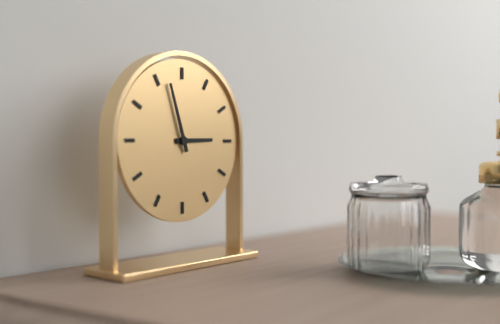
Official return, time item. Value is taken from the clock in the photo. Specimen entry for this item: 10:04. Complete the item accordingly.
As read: 2:57
